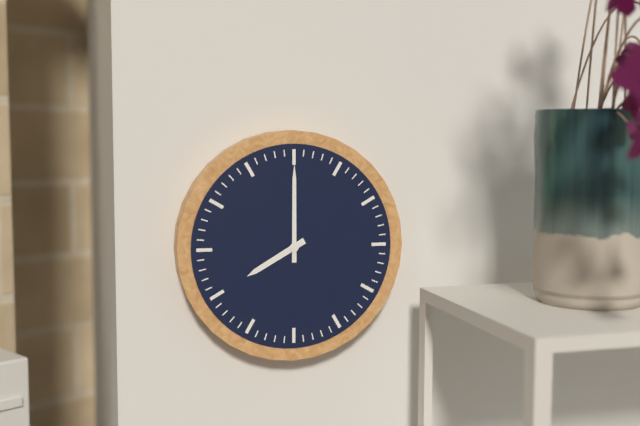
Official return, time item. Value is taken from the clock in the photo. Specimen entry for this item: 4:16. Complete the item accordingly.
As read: 8:00
